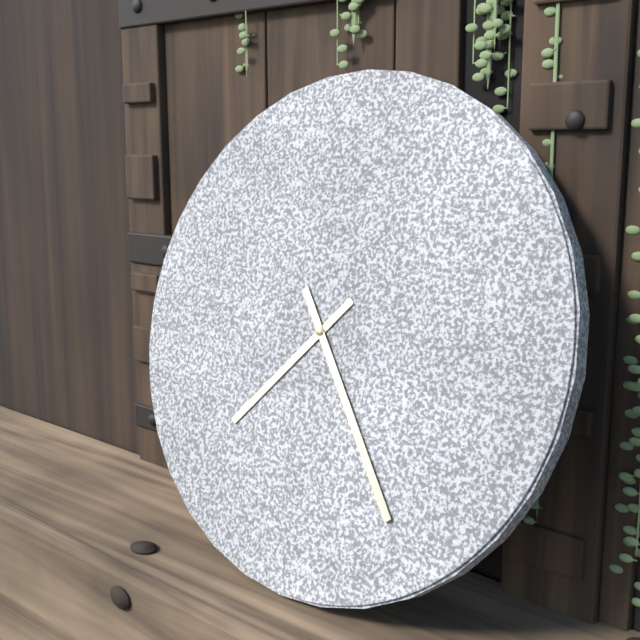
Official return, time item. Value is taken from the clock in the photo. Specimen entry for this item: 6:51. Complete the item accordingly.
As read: 7:24
